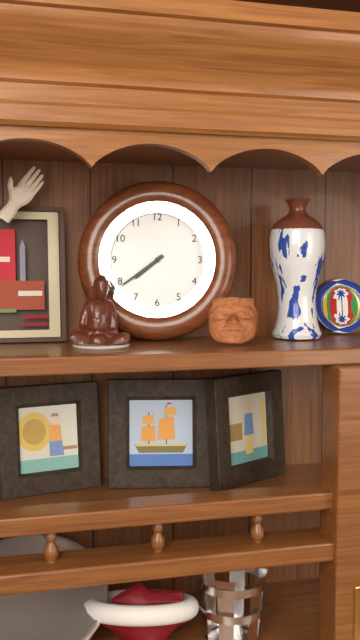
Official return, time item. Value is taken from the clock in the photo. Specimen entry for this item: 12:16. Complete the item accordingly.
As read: 7:39
